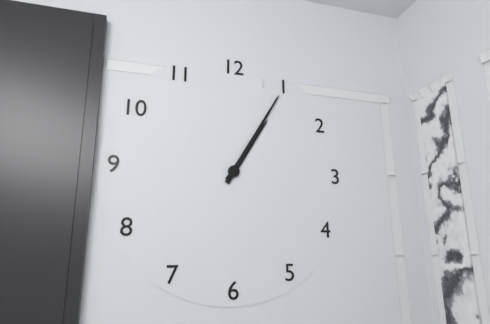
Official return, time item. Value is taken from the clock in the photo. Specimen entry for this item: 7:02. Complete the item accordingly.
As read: 1:05
